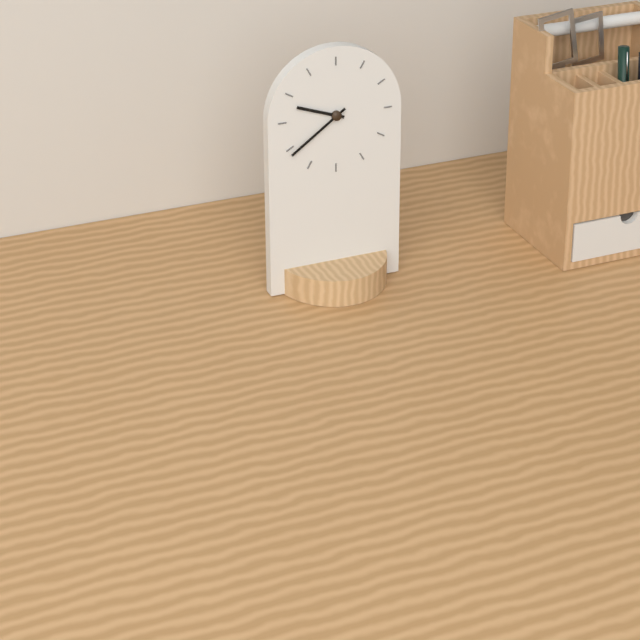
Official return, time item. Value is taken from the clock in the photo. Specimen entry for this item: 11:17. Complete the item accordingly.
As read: 9:39
